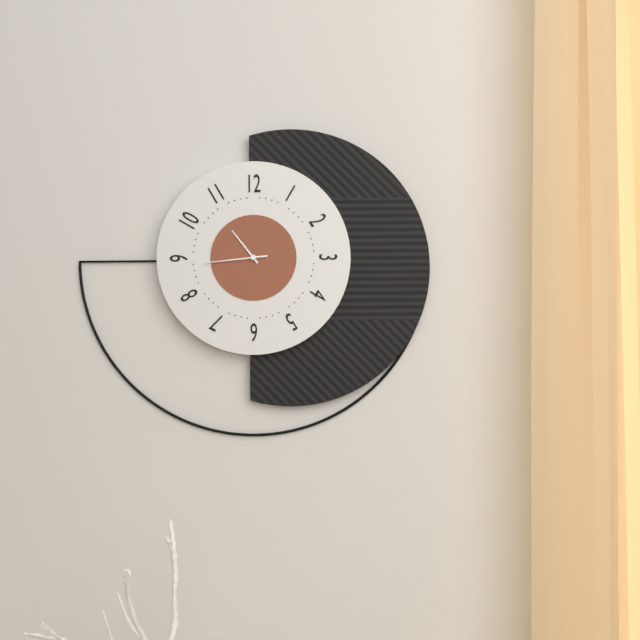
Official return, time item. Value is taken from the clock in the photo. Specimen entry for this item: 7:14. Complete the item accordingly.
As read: 10:44
